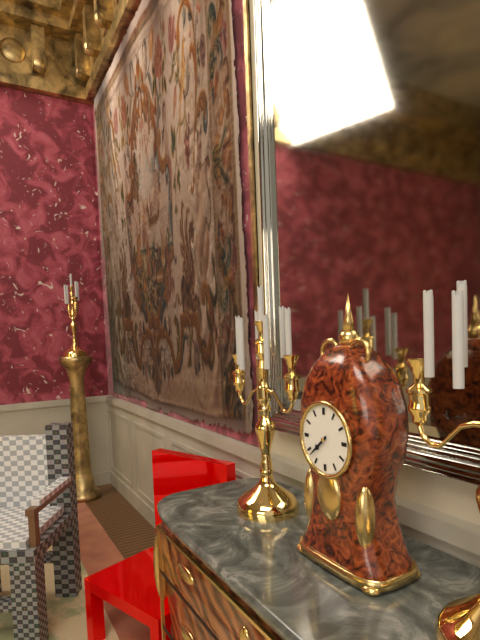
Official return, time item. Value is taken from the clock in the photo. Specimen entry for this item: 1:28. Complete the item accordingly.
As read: 7:38
